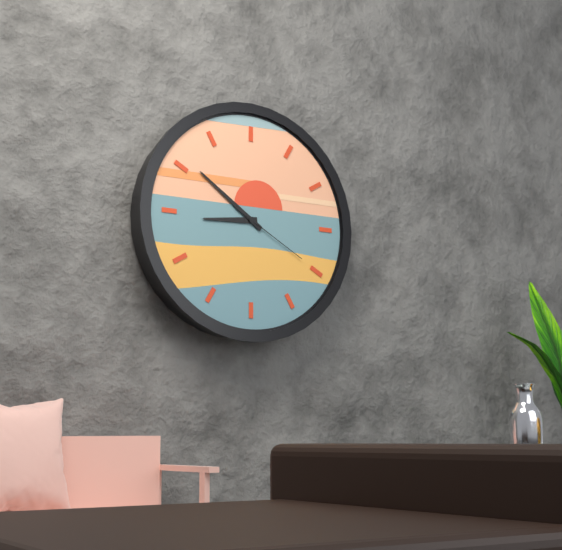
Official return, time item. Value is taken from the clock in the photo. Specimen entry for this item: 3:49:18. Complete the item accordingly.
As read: 8:51:20
